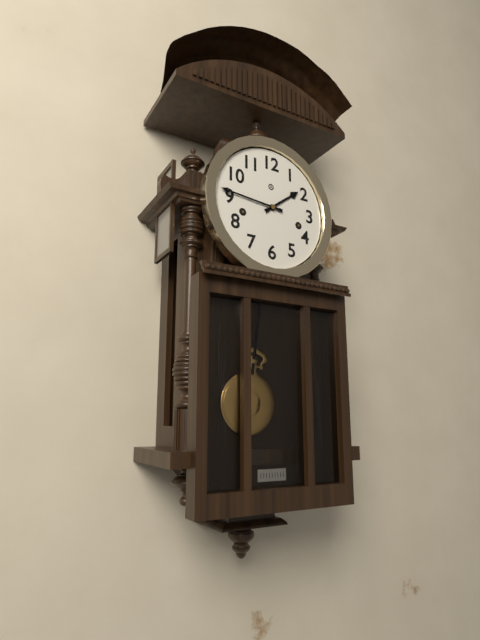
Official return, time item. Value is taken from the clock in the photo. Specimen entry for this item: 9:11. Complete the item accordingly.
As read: 1:46
